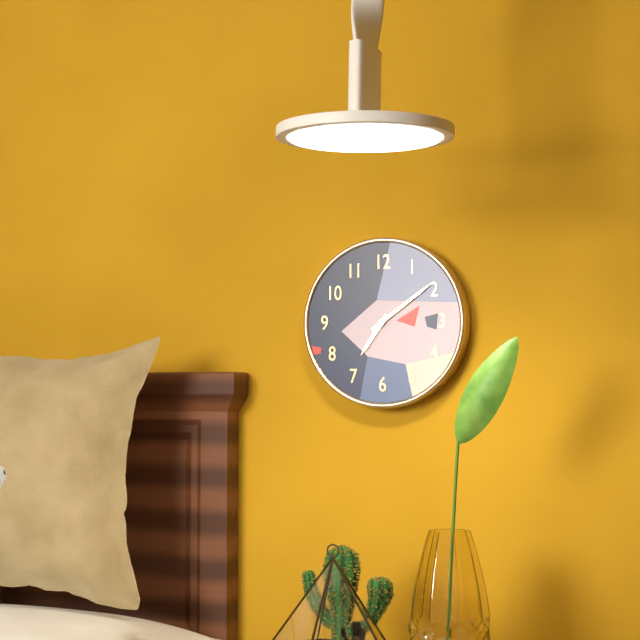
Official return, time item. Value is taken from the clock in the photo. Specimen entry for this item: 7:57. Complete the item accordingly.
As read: 7:09
